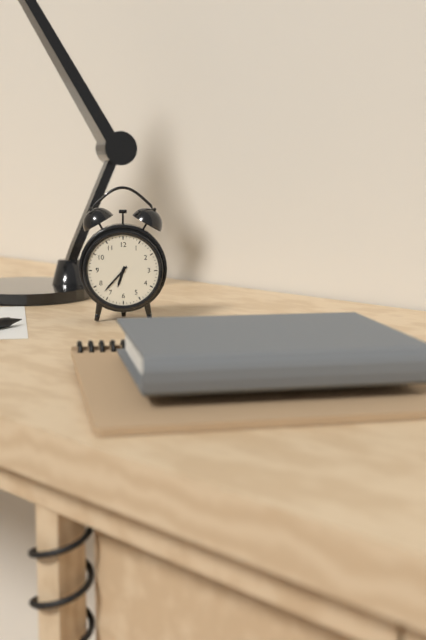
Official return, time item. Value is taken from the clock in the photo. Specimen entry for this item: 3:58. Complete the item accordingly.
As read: 6:37
